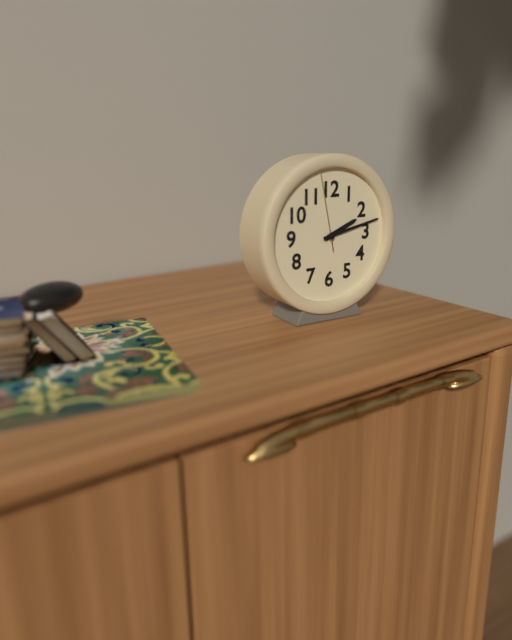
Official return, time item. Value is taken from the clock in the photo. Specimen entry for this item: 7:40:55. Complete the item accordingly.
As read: 2:13:58
